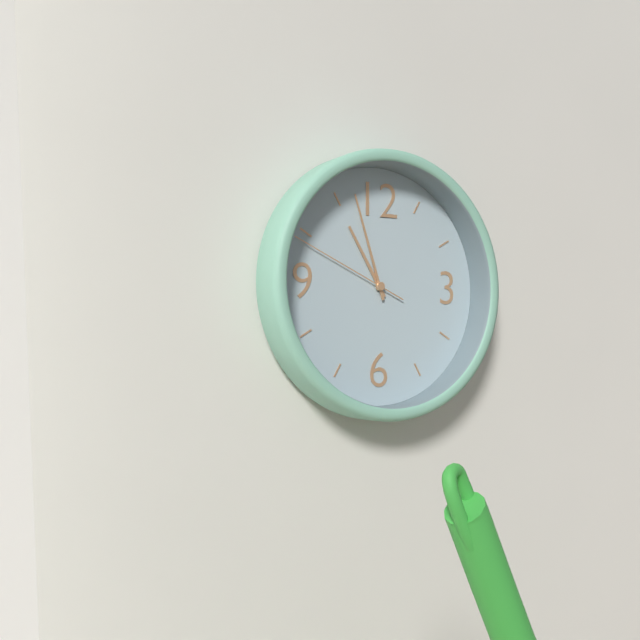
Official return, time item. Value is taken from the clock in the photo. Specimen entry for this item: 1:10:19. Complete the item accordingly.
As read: 10:57:49
